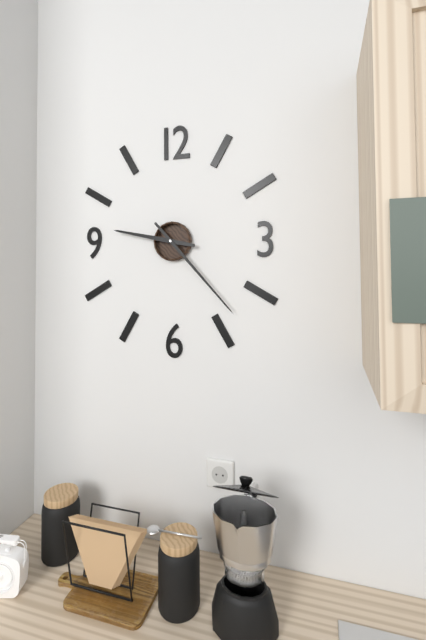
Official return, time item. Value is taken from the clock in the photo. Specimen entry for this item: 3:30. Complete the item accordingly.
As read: 9:23
